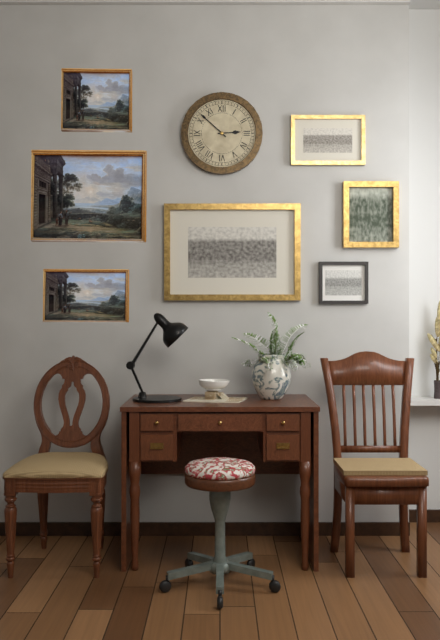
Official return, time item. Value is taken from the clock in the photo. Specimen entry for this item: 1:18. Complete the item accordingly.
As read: 2:52
